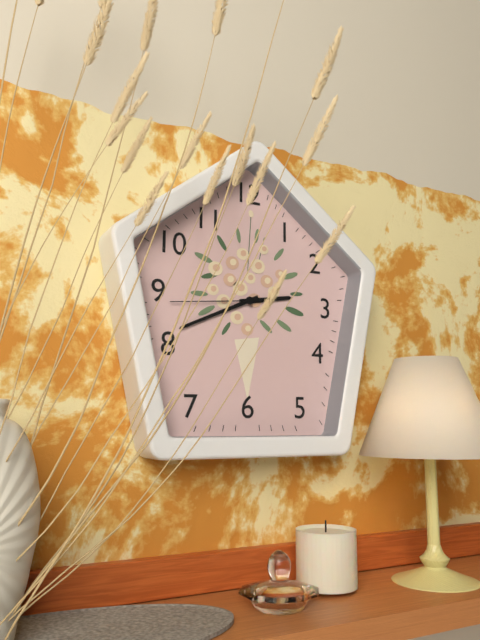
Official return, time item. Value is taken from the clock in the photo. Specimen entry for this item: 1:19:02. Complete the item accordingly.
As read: 2:41:44
